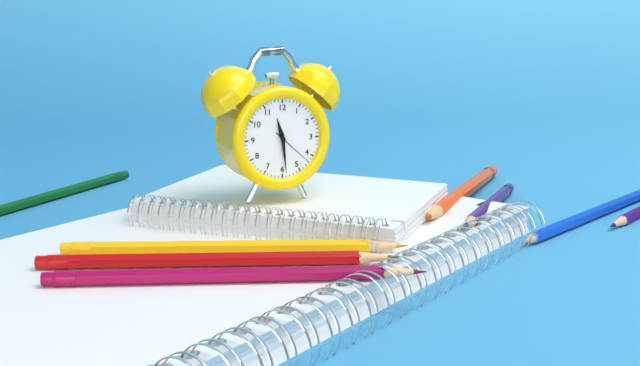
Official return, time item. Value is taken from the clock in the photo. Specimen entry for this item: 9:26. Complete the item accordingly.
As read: 11:29
